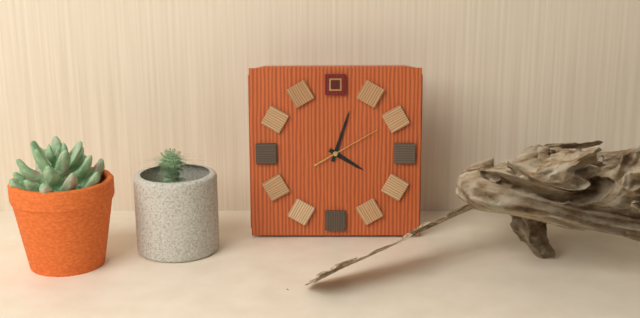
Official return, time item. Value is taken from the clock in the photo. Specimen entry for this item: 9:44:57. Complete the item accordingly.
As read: 4:03:10
